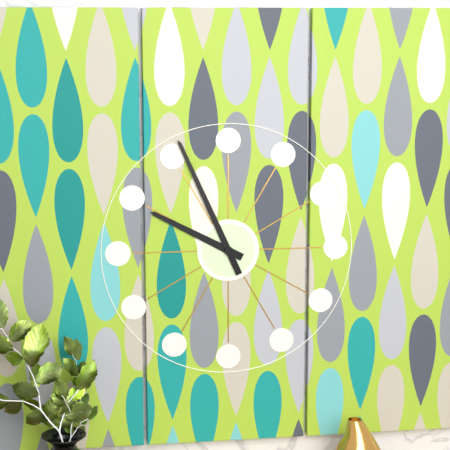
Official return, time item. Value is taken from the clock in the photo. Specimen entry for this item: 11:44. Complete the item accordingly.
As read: 9:56
